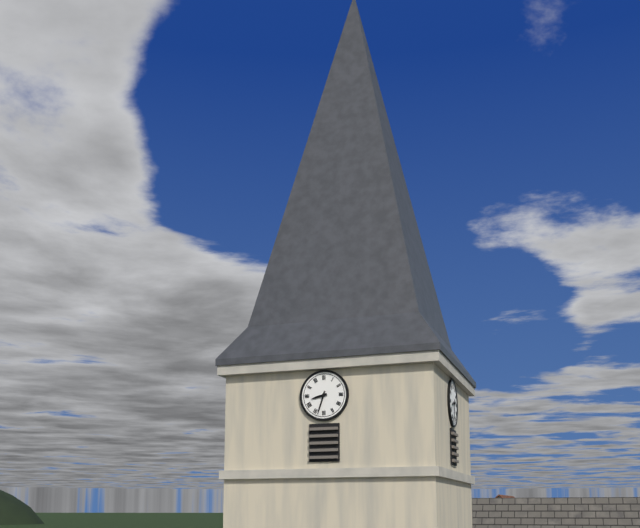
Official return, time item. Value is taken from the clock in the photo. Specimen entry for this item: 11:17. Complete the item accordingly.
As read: 8:33
